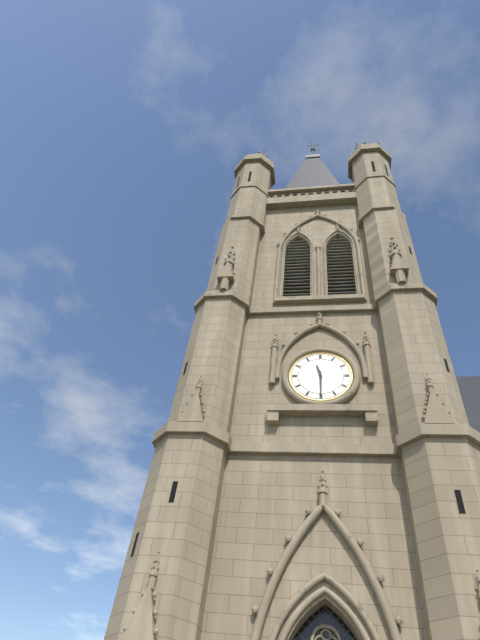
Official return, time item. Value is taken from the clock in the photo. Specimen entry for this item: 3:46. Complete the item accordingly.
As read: 11:30
